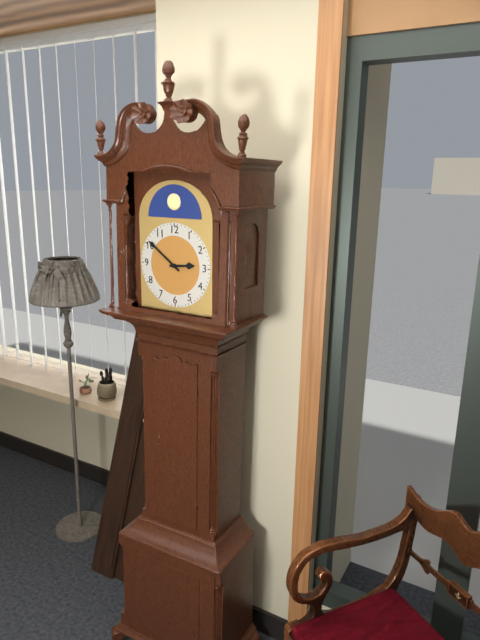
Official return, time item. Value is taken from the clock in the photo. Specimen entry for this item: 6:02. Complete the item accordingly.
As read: 2:51
